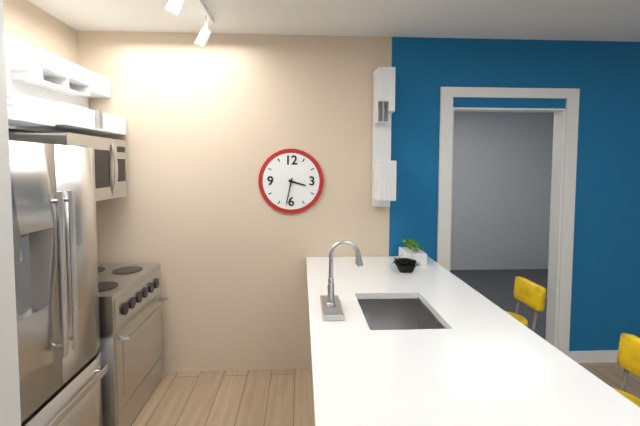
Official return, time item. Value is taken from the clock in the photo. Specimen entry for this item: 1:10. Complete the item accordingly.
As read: 3:32
